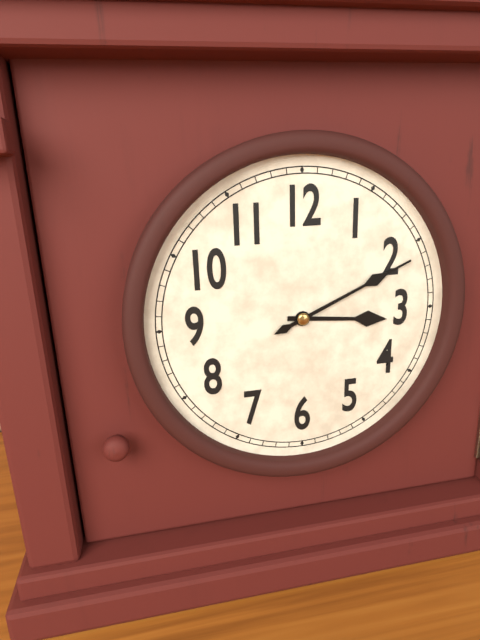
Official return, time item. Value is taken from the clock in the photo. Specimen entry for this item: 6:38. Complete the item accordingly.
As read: 3:11
